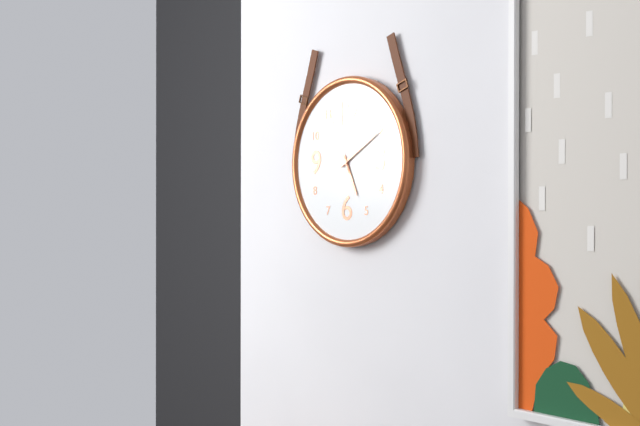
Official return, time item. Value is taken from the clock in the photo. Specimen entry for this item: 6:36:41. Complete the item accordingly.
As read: 5:10:56
